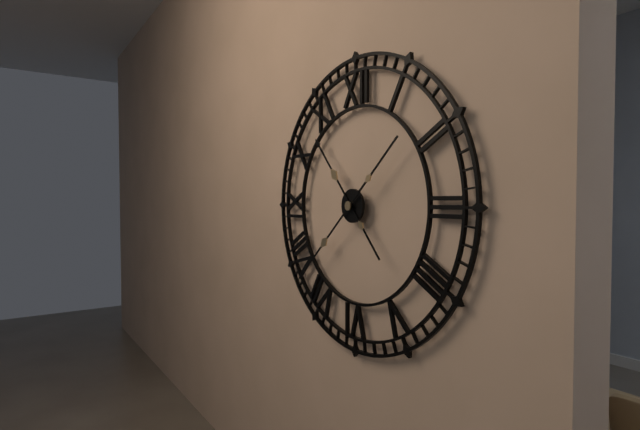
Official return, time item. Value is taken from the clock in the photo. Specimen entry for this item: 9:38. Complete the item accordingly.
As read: 10:38
